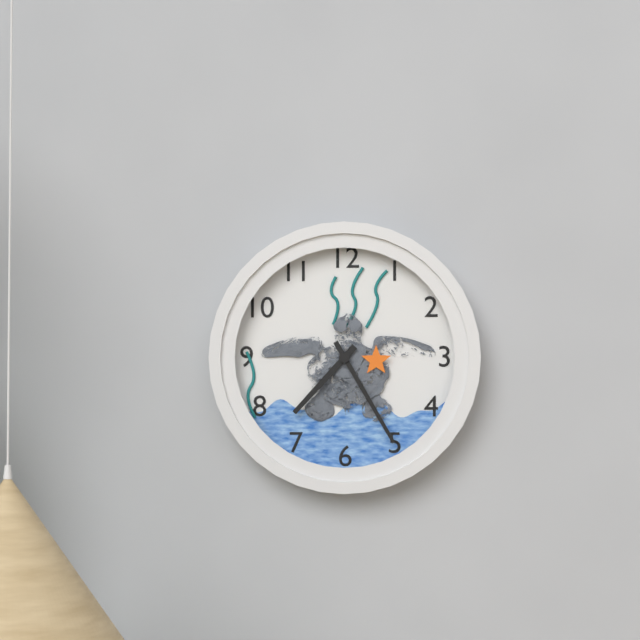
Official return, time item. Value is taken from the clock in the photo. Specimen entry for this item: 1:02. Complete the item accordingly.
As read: 7:25
